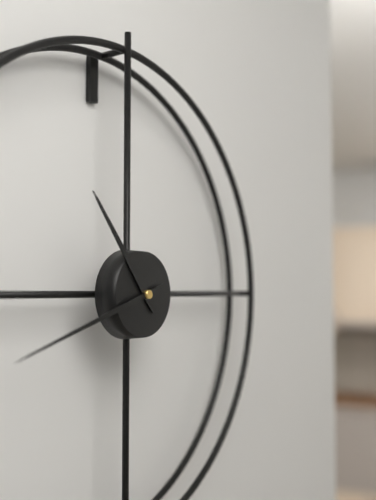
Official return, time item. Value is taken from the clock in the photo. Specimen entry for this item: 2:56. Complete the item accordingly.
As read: 10:42
